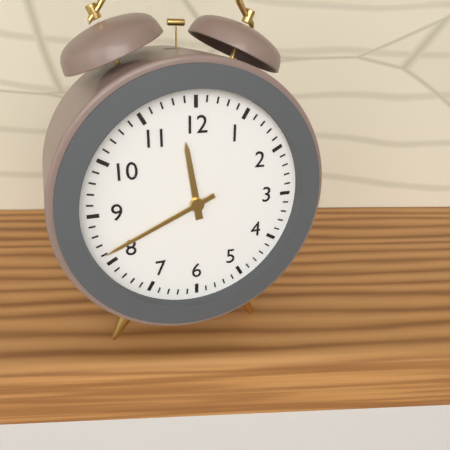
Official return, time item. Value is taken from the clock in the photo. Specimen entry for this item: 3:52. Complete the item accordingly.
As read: 11:41
